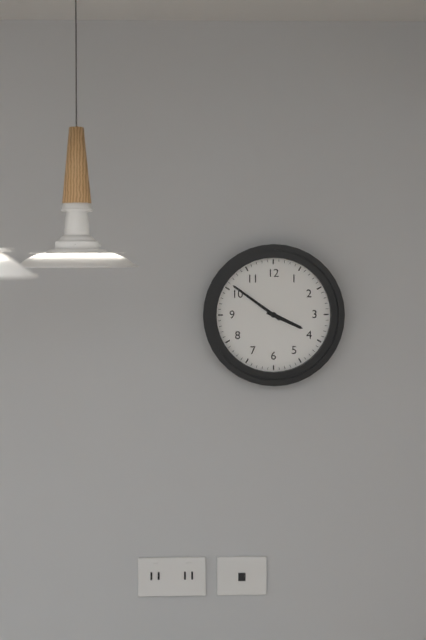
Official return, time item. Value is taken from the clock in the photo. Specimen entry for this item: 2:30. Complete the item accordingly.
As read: 3:51
